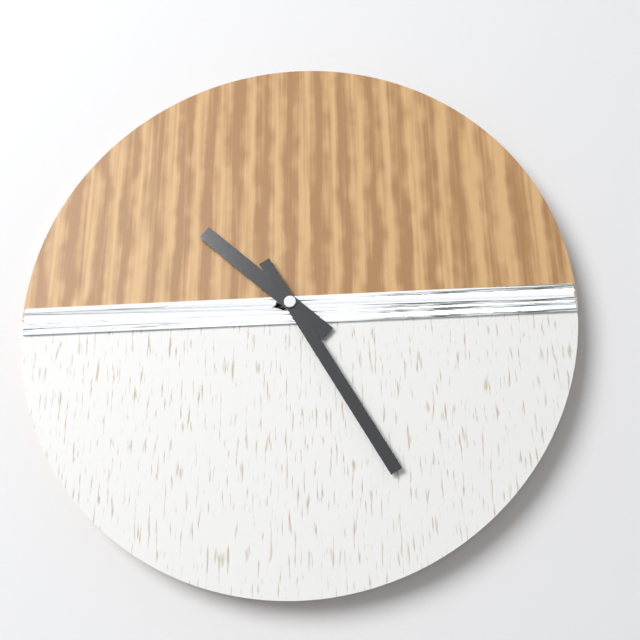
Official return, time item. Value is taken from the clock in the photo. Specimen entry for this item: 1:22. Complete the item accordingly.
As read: 10:25
